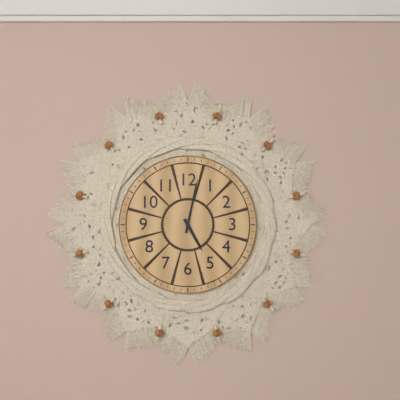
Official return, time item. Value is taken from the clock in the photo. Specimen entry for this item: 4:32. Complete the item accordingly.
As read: 5:02
